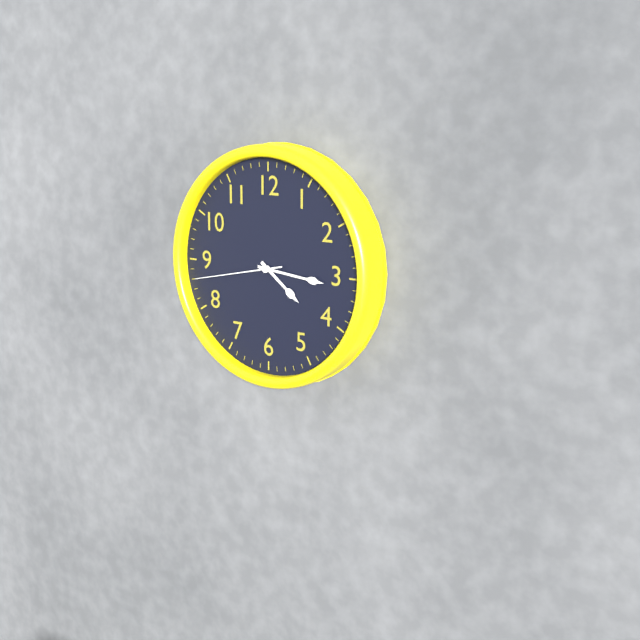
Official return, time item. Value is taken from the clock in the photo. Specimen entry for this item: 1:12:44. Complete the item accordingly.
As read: 4:16:43
